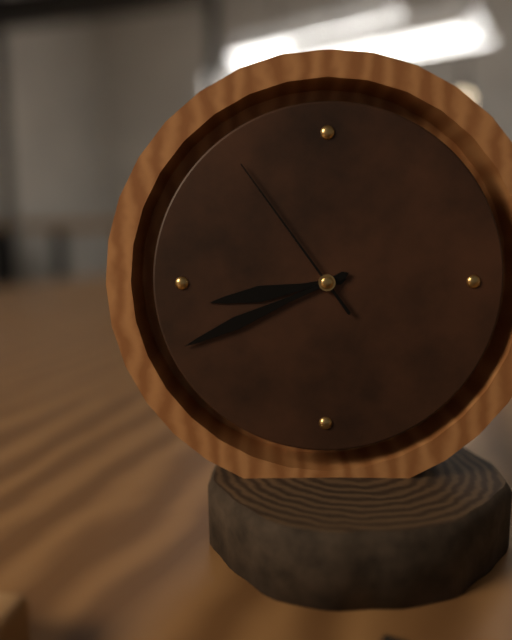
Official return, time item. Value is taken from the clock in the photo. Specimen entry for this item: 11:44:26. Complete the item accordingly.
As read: 8:41:54
